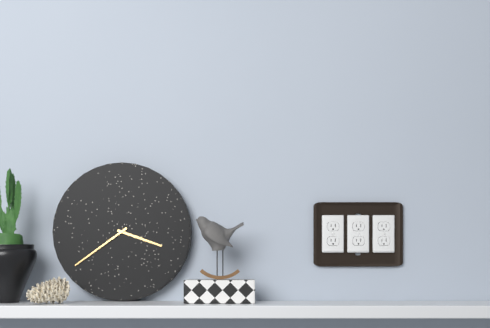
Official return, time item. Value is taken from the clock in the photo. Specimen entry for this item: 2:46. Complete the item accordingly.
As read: 3:39
